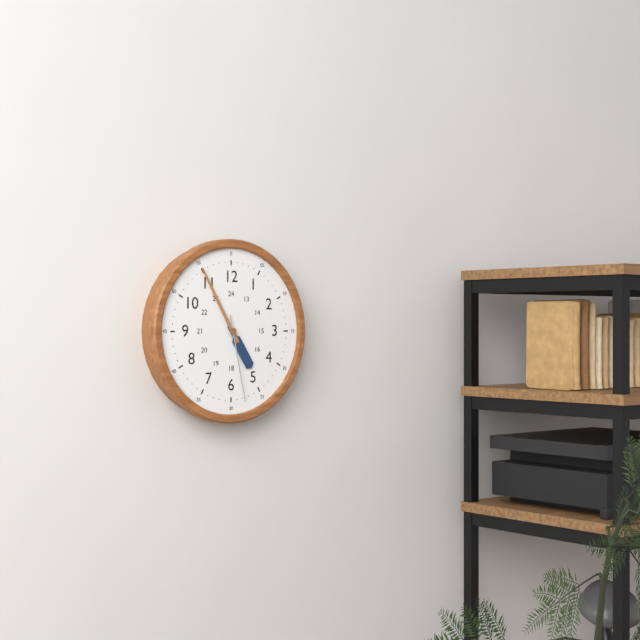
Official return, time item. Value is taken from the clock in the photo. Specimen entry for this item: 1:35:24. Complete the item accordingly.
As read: 4:55:28
